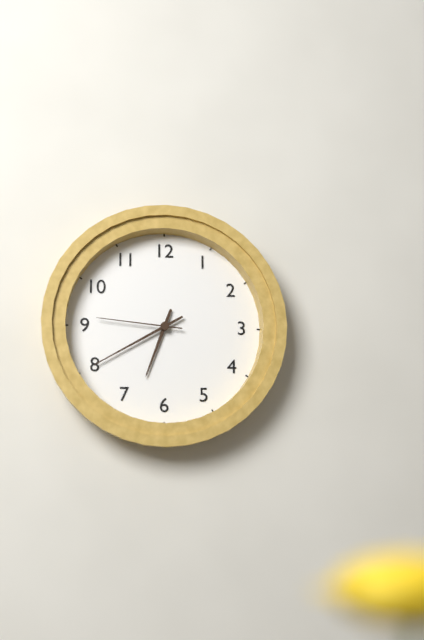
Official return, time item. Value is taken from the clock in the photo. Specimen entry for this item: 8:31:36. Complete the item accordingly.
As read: 6:40:46
